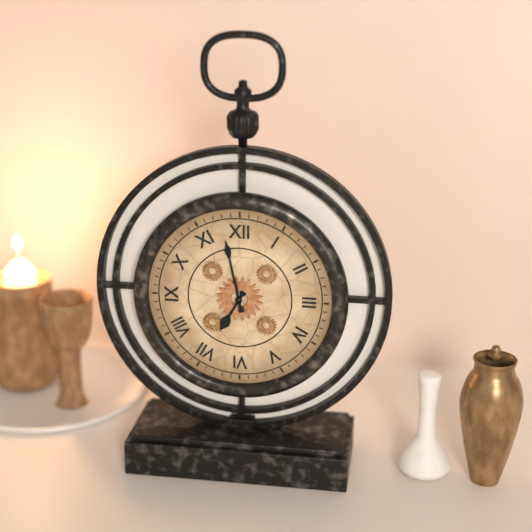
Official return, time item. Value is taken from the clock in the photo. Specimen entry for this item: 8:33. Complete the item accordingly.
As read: 6:58
